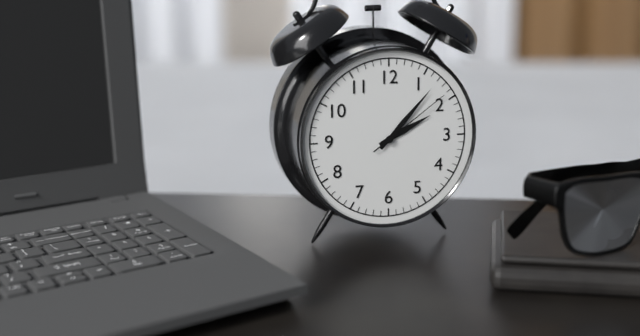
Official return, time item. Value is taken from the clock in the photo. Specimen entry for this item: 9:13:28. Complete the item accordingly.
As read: 2:07:09
